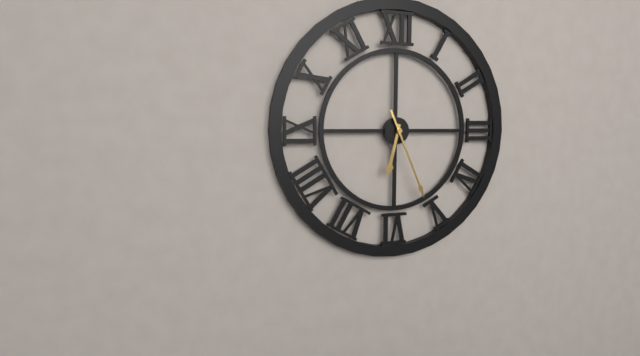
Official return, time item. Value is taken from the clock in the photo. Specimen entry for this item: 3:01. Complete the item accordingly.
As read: 6:26
